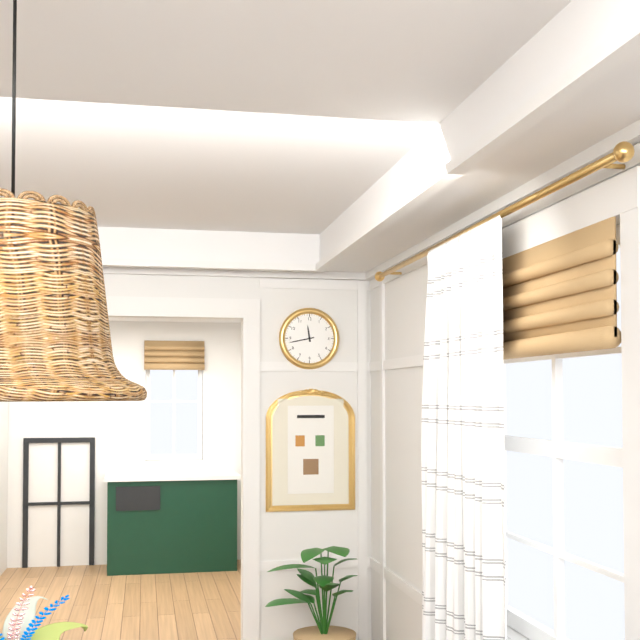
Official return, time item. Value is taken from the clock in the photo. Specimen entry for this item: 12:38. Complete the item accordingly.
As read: 11:43
